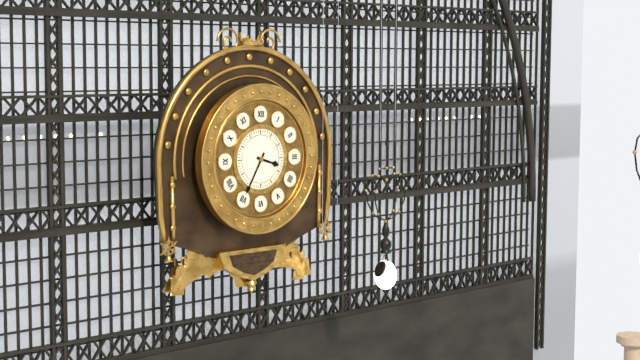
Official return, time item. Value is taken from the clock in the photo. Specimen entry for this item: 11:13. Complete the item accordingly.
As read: 3:35
